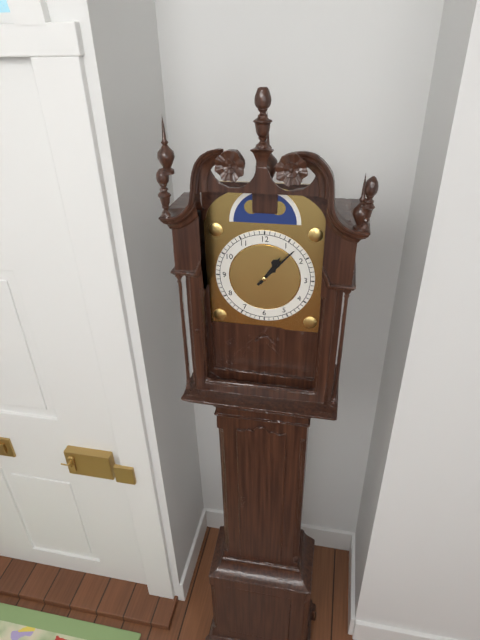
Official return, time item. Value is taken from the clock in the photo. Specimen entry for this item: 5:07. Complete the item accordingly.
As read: 1:07
